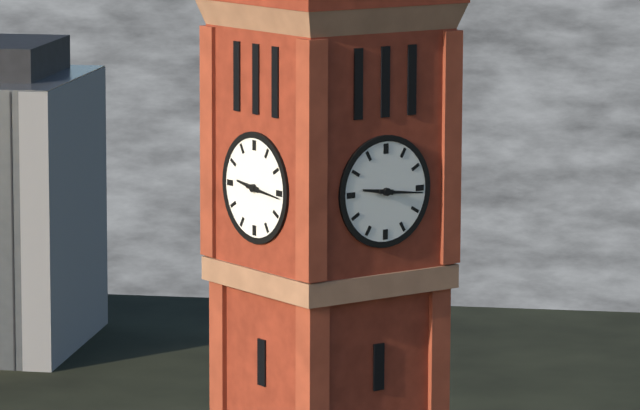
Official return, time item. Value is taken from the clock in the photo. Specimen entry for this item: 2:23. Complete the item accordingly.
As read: 9:16
